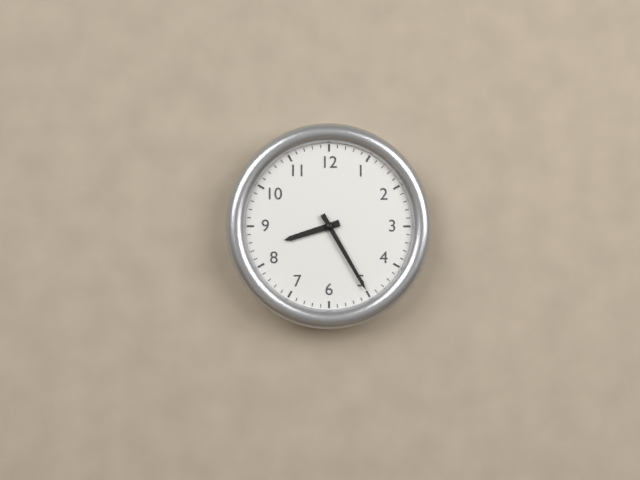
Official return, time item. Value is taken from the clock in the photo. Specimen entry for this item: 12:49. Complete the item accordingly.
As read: 8:25
